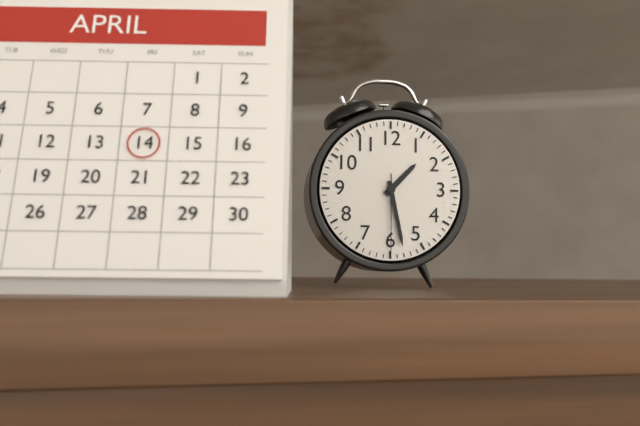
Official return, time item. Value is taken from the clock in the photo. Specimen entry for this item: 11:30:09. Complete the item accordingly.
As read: 1:28:30
